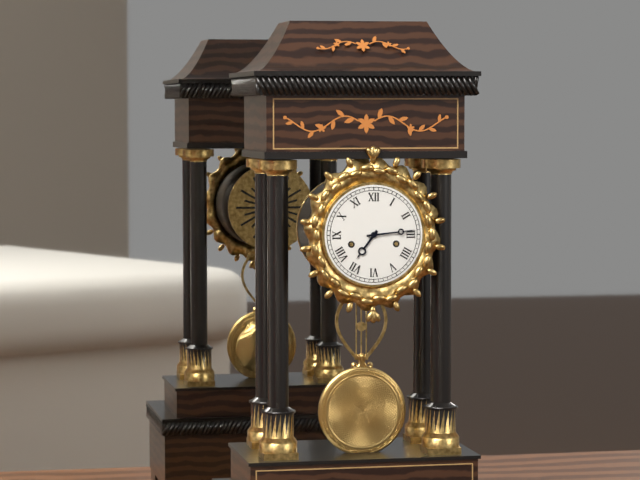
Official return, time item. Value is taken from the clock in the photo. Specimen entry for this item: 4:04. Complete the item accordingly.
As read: 7:14
